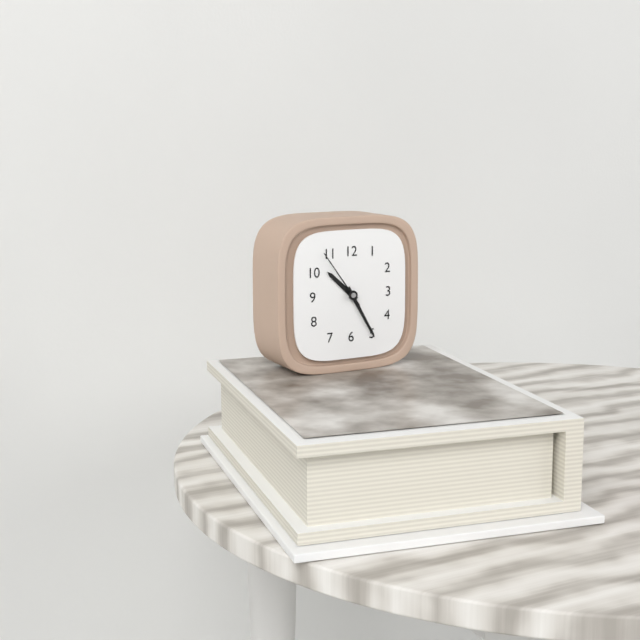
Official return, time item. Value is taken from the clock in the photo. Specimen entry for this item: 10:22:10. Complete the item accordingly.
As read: 10:25:54
